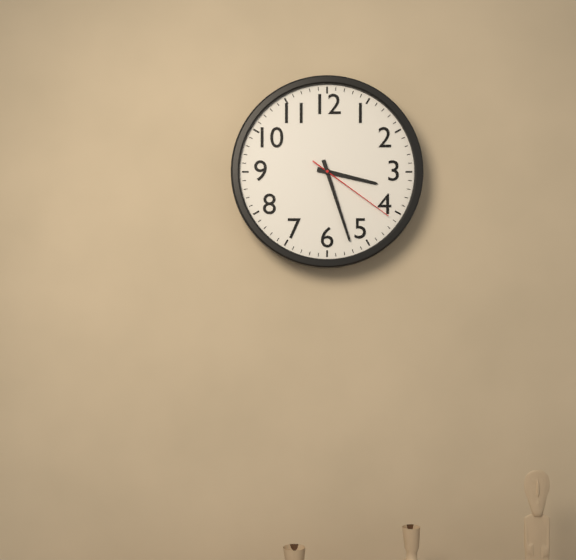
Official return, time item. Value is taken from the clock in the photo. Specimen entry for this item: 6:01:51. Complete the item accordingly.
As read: 3:27:21
